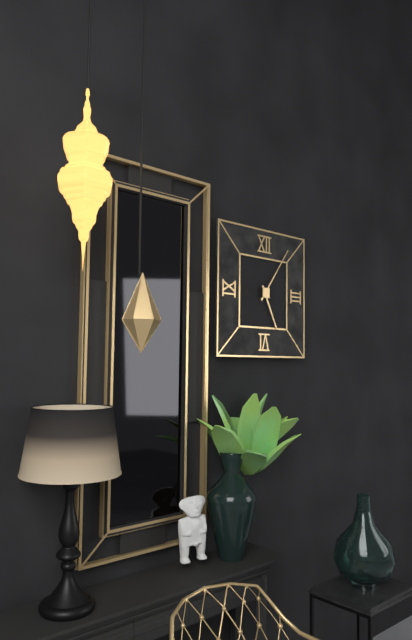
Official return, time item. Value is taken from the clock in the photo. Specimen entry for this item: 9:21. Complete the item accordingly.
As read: 5:06
